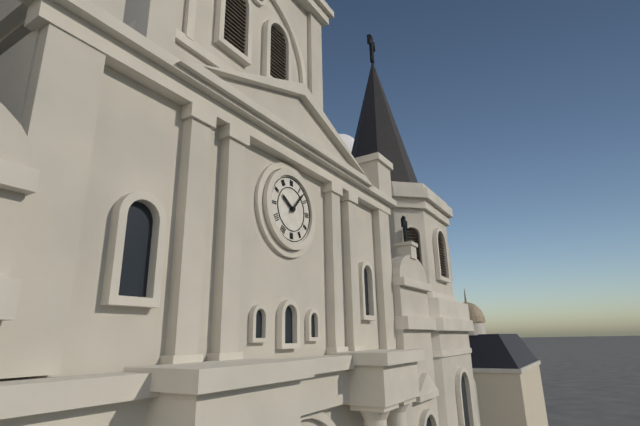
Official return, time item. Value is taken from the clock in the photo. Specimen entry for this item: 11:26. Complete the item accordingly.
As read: 10:07
